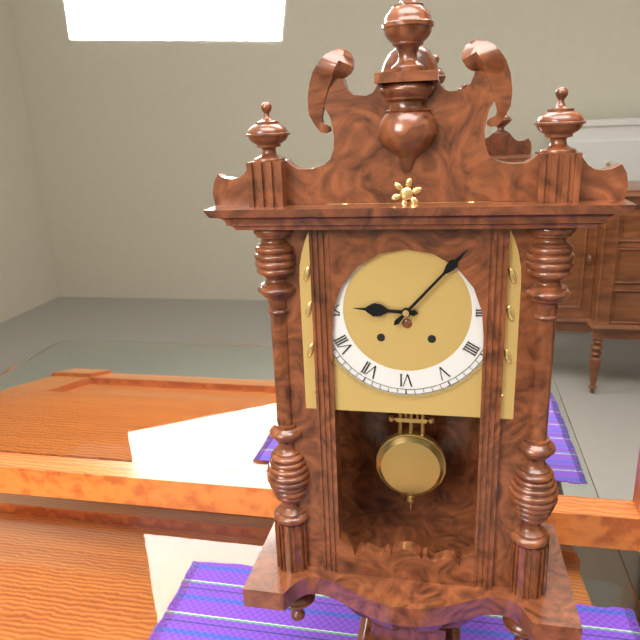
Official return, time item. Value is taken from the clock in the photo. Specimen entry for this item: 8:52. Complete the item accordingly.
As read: 9:07
